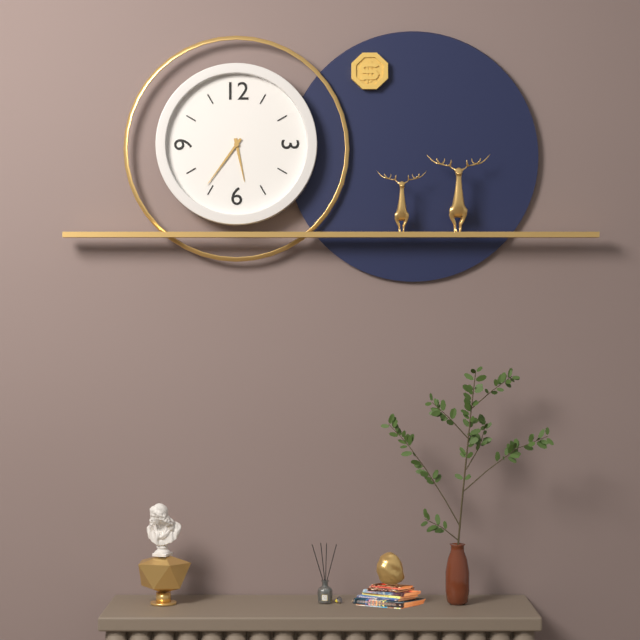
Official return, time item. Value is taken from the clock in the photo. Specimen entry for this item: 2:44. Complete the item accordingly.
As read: 5:36
